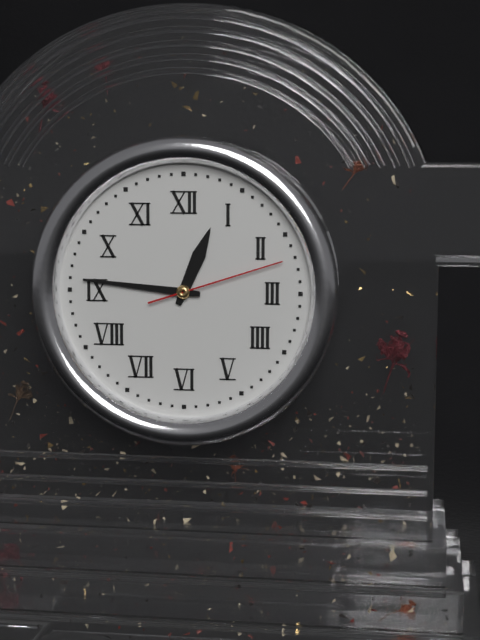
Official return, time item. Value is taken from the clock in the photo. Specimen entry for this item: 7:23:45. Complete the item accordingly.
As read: 12:46:12
